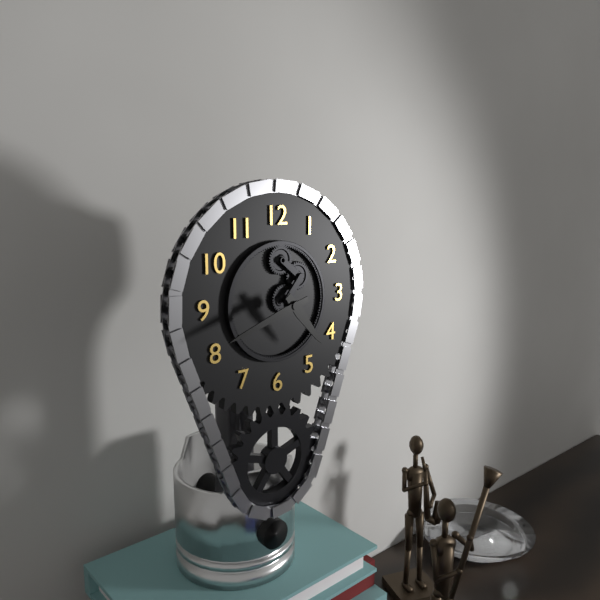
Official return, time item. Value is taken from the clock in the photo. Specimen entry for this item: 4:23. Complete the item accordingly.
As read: 4:42
